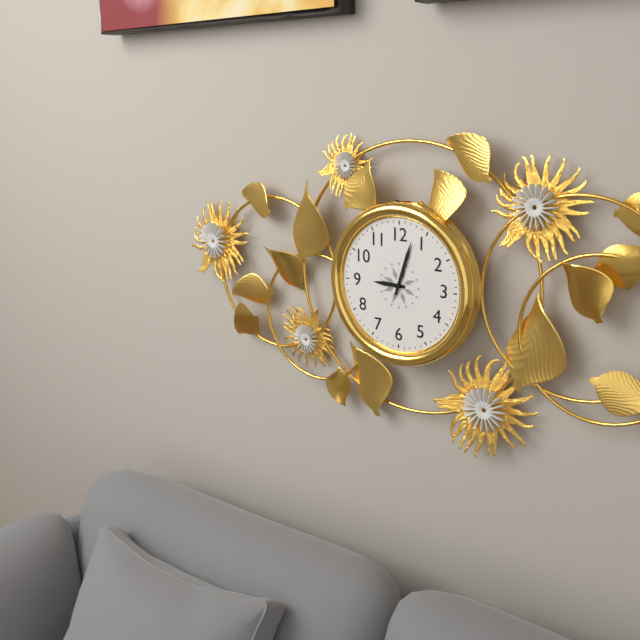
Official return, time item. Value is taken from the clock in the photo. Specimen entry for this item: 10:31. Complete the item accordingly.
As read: 9:03
